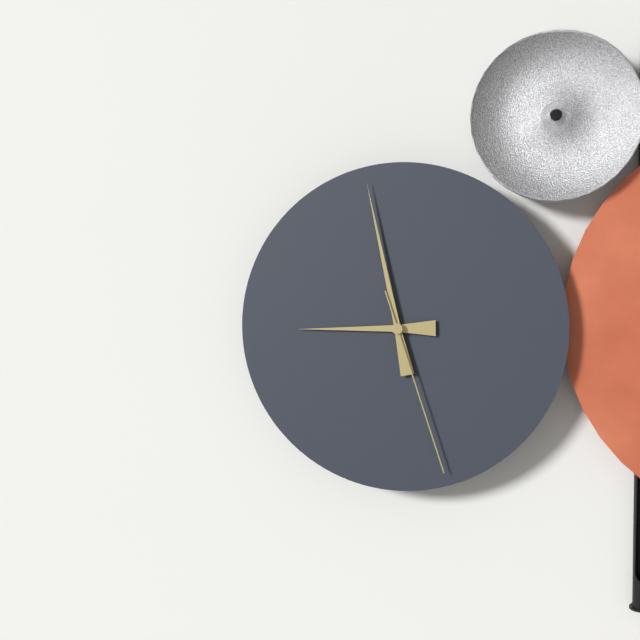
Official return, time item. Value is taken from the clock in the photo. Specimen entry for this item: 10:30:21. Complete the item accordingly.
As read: 8:58:27
